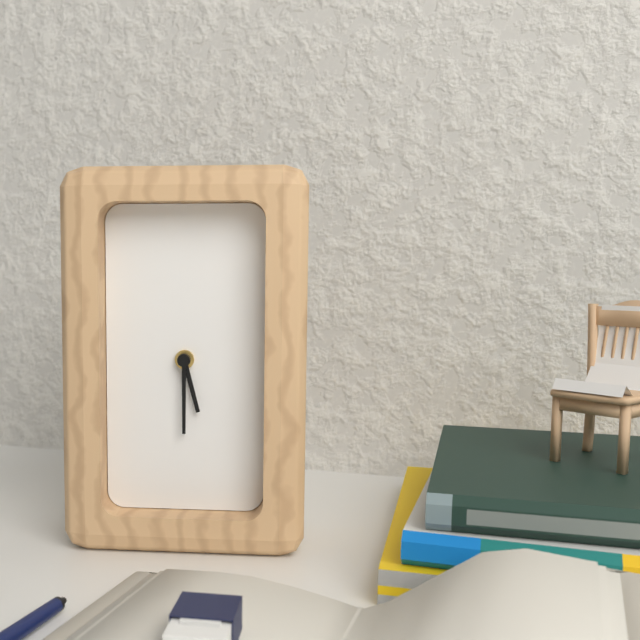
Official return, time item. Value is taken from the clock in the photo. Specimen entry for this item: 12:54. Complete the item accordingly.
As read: 5:30
